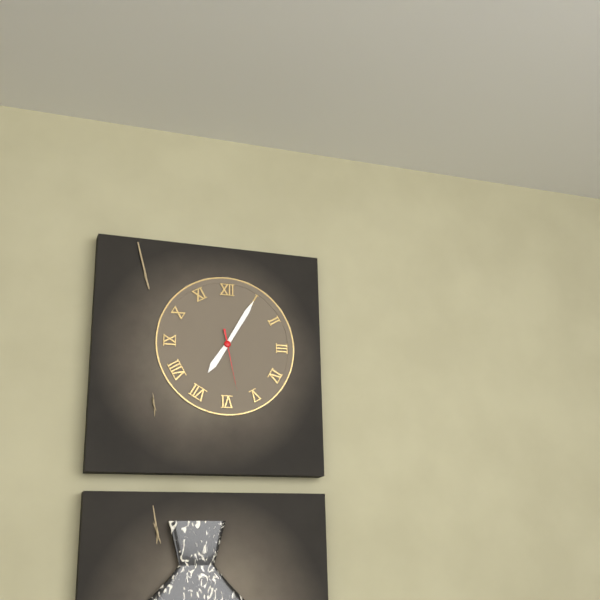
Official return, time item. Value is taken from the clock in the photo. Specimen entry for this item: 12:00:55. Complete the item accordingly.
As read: 7:05:28
